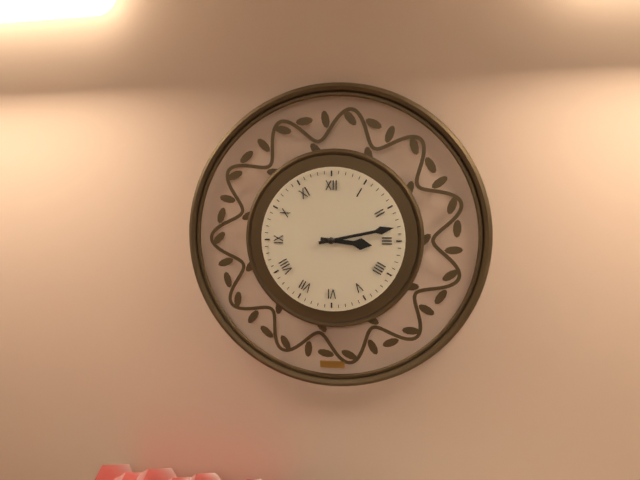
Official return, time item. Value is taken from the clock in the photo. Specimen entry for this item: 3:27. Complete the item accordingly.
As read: 3:13
